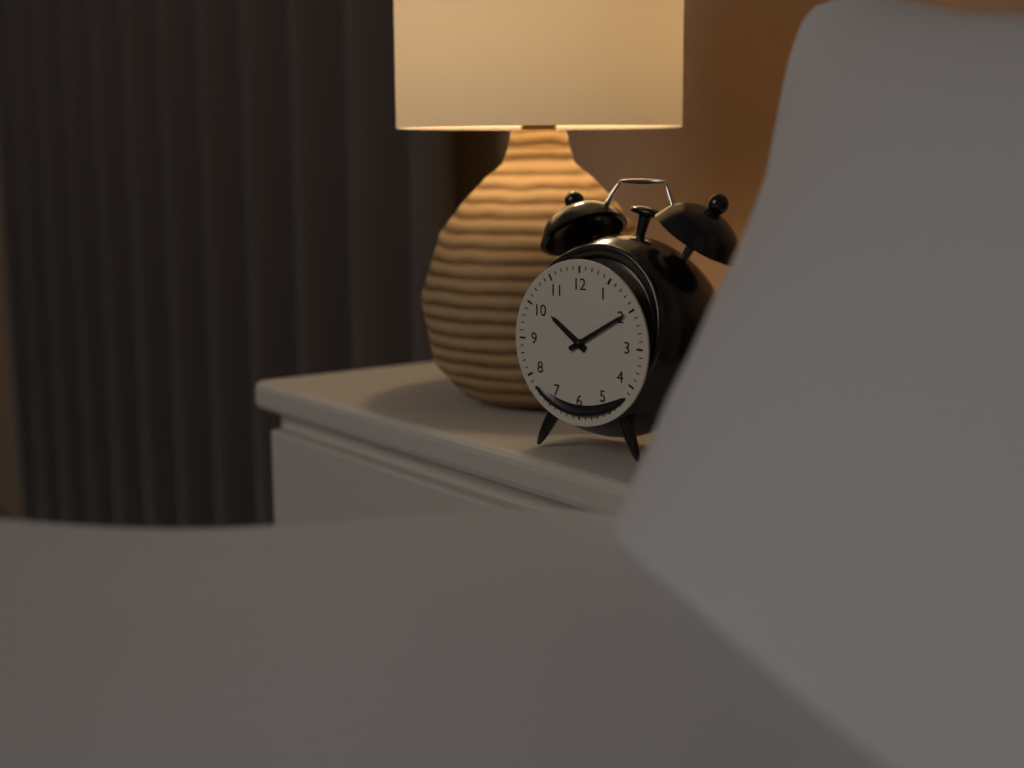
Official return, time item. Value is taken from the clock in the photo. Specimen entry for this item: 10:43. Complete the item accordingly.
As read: 10:10
